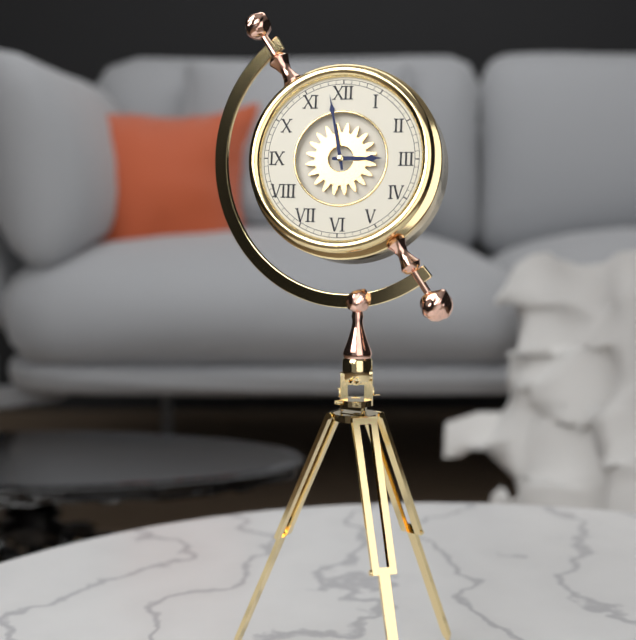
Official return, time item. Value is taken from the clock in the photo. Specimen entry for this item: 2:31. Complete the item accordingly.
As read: 2:58
